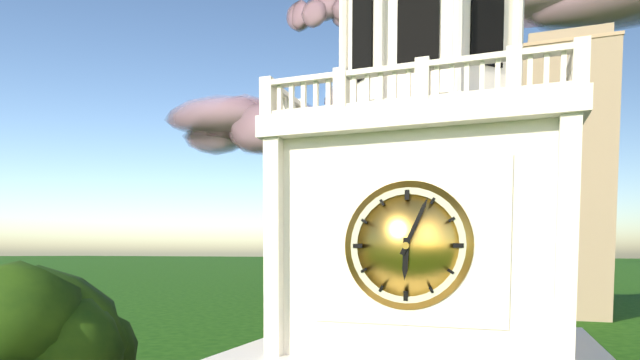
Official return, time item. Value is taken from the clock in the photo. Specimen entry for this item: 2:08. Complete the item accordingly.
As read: 6:04
